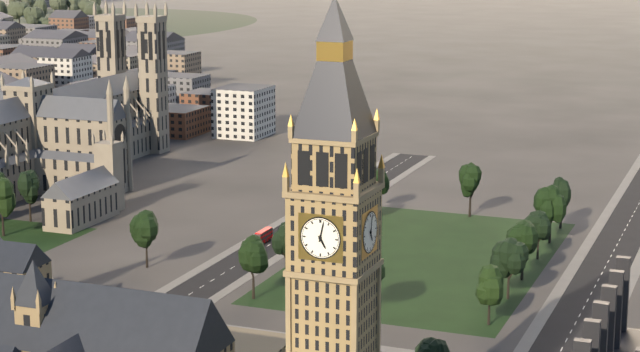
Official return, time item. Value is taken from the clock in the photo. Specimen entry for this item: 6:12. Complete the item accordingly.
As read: 5:02
